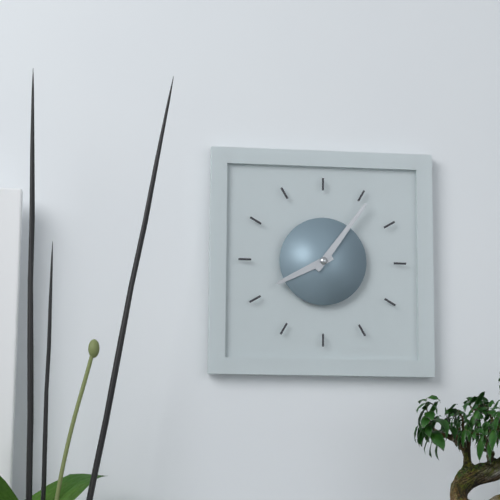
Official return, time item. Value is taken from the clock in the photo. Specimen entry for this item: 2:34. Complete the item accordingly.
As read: 8:06
